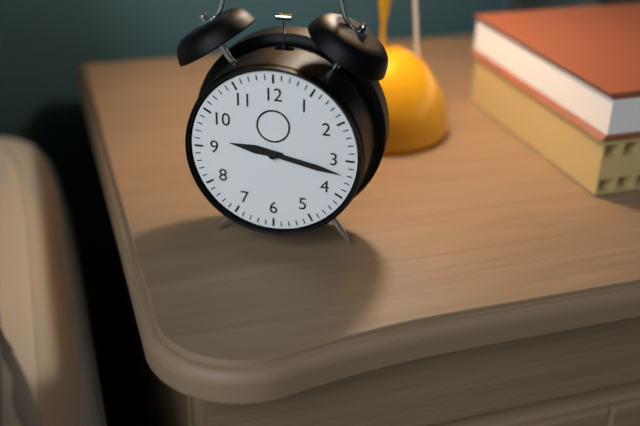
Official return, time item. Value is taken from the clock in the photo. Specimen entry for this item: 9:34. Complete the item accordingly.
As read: 9:17
